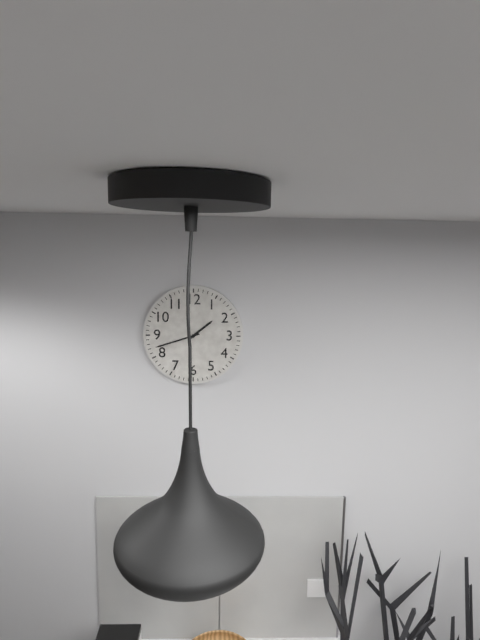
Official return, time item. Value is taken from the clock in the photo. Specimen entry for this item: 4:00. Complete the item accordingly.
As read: 1:42
